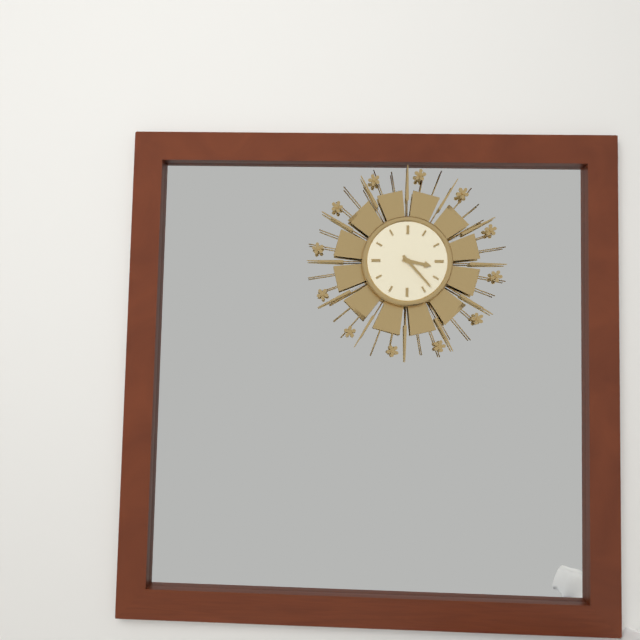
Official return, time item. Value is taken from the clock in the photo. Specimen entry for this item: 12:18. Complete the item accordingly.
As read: 3:23
